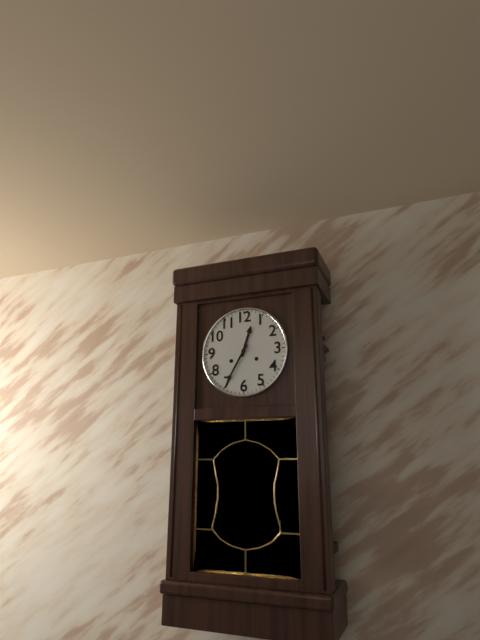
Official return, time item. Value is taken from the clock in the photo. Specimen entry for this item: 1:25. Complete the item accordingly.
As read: 12:35
